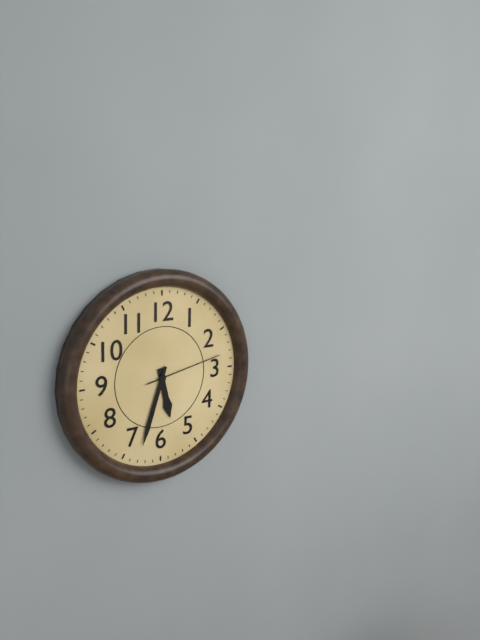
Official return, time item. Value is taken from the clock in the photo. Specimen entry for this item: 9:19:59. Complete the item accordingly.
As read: 5:33:13
